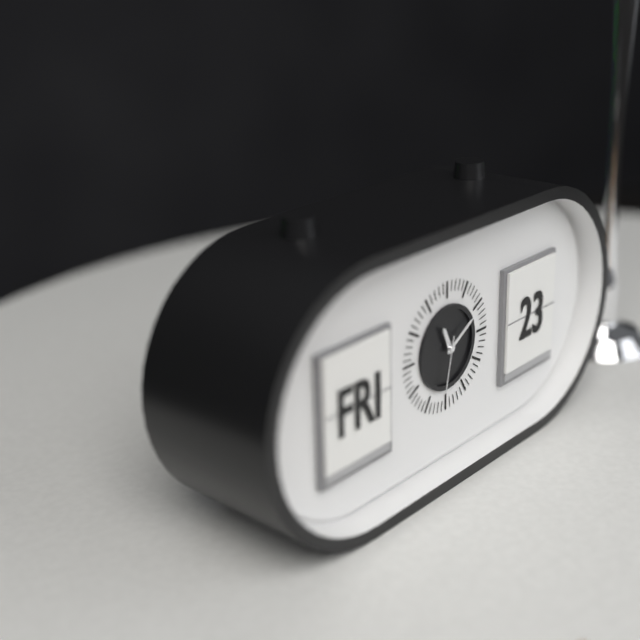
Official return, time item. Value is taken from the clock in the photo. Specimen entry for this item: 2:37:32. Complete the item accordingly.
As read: 11:10:32
